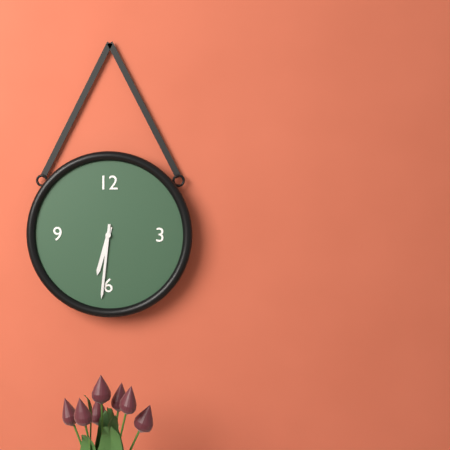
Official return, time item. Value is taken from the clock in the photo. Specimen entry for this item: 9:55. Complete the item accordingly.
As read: 6:31
